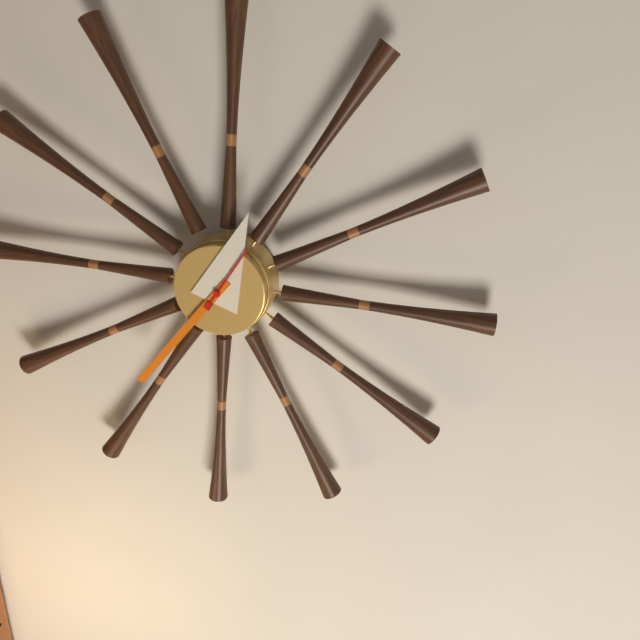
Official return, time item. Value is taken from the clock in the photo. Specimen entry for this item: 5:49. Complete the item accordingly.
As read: 12:36
